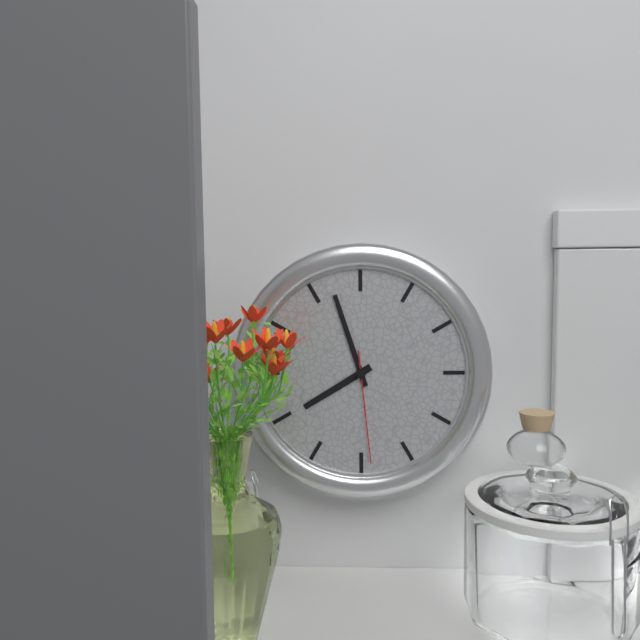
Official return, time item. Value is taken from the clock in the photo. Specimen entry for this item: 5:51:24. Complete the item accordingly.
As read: 7:57:29
